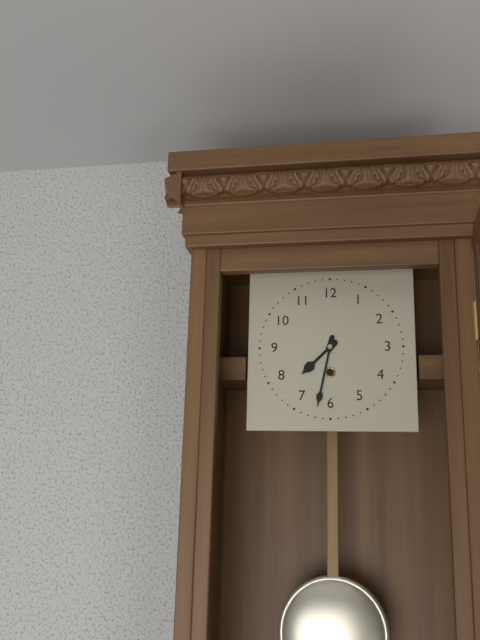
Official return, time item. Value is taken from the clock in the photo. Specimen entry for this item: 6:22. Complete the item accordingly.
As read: 7:32
